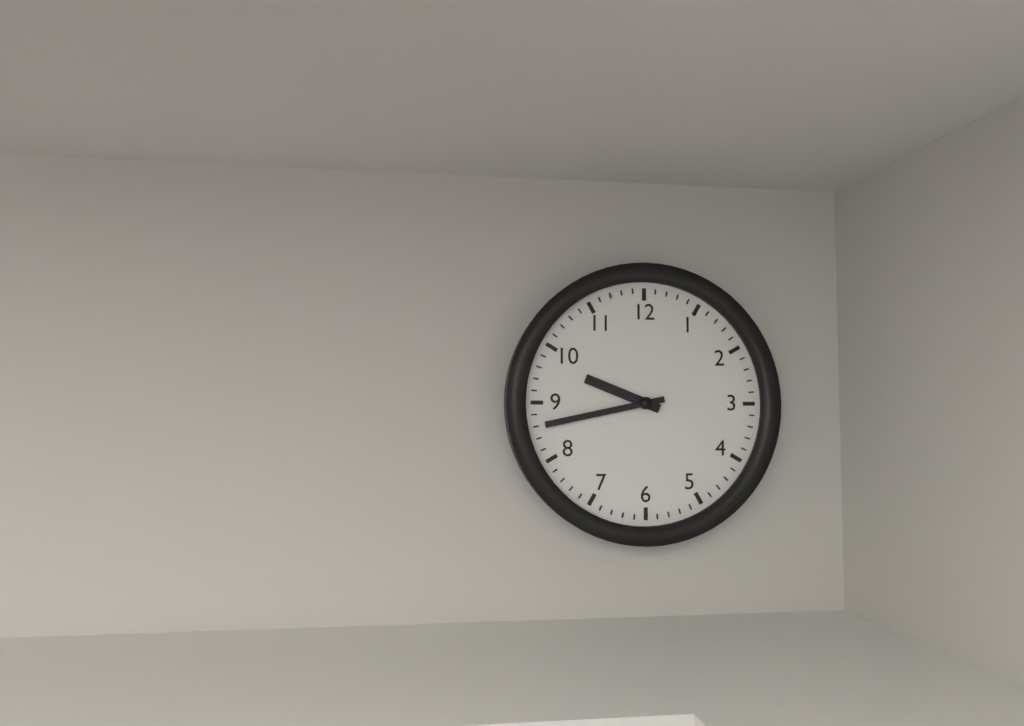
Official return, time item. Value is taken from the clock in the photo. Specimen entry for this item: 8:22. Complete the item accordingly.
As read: 9:43
